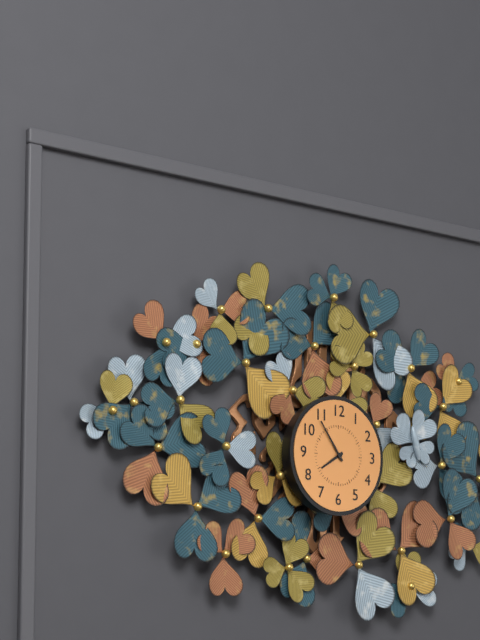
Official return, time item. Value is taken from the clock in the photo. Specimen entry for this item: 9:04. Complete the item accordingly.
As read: 7:54
